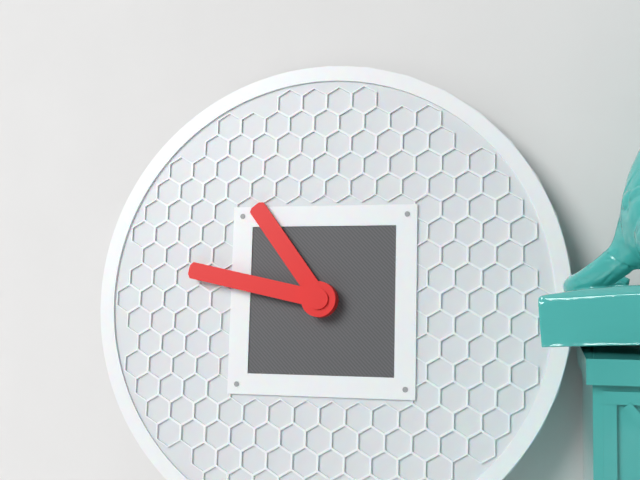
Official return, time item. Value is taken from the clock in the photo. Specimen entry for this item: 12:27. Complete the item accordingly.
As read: 10:47
